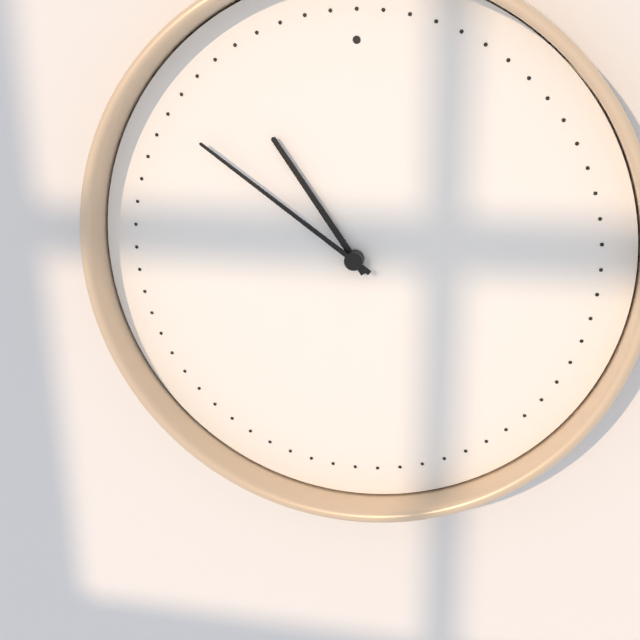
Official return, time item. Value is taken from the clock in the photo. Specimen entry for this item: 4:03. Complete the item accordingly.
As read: 10:51
